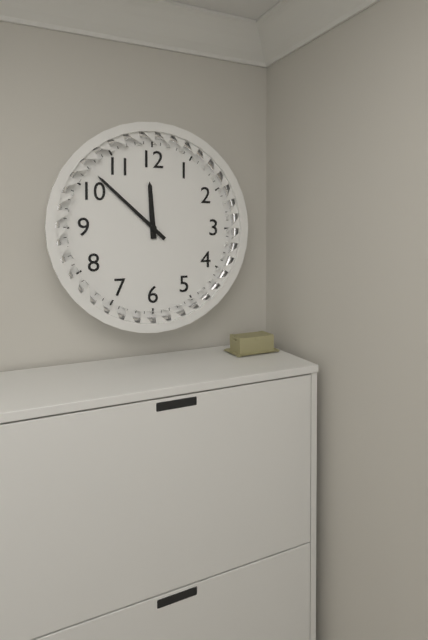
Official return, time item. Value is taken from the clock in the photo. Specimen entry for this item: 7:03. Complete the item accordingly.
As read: 11:52
